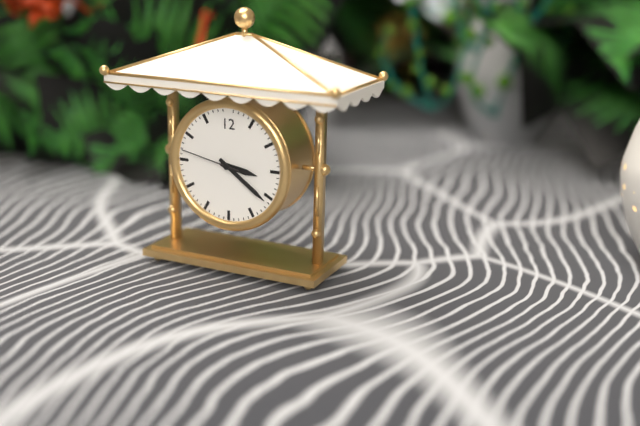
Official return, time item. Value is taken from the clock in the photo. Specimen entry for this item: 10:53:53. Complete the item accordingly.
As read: 3:21:47
